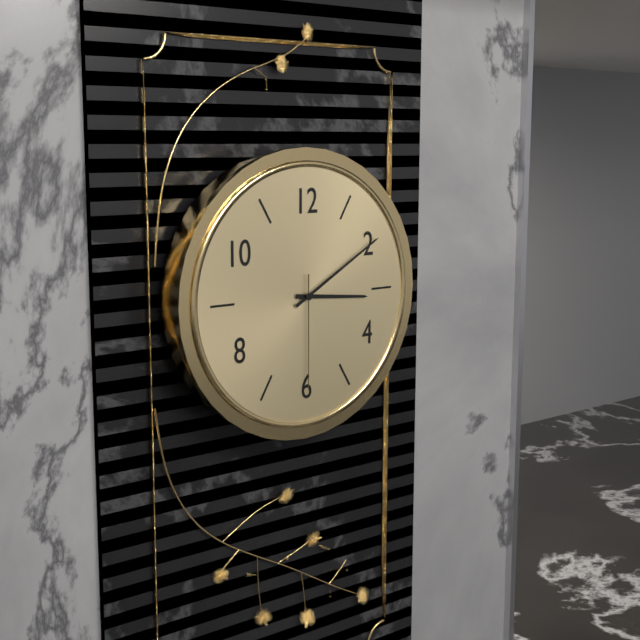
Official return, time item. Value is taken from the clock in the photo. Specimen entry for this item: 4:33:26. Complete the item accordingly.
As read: 3:10:30
